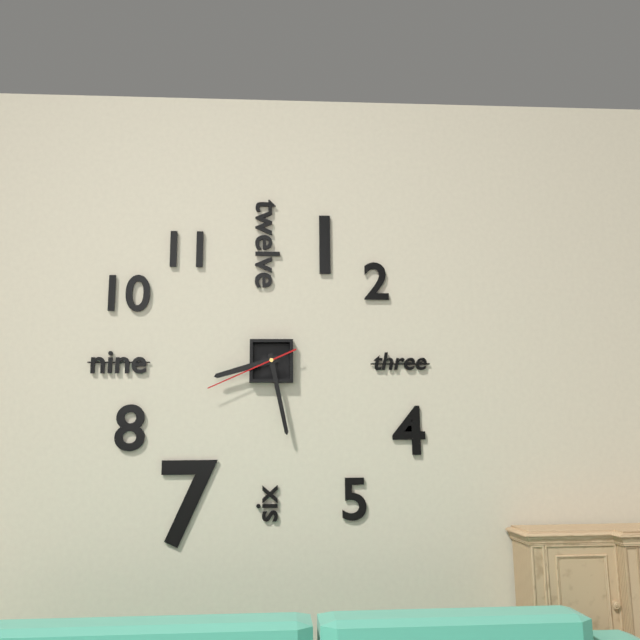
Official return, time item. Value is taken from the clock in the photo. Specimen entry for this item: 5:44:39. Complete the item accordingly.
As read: 8:28:41
